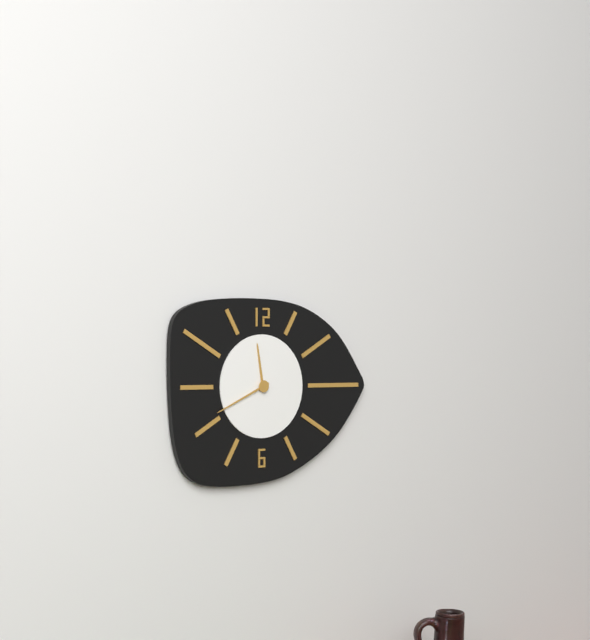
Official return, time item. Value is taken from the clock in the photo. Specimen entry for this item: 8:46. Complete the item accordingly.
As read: 11:41
